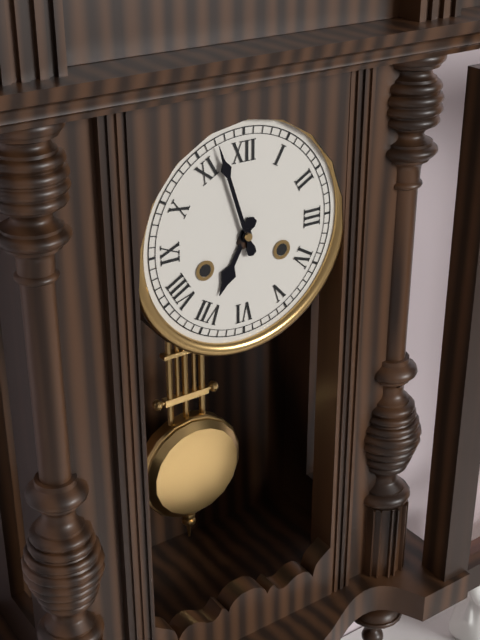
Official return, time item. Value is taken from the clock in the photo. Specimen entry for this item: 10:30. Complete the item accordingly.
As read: 6:57
